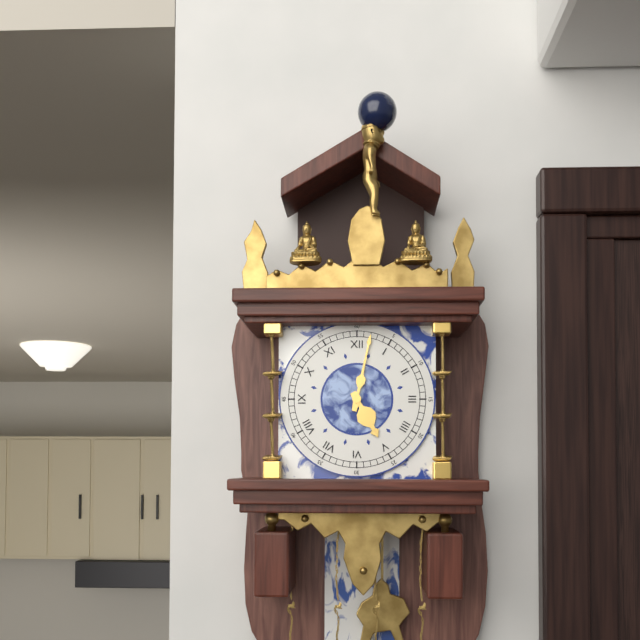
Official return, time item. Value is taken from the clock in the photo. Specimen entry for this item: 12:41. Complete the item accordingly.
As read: 5:02
